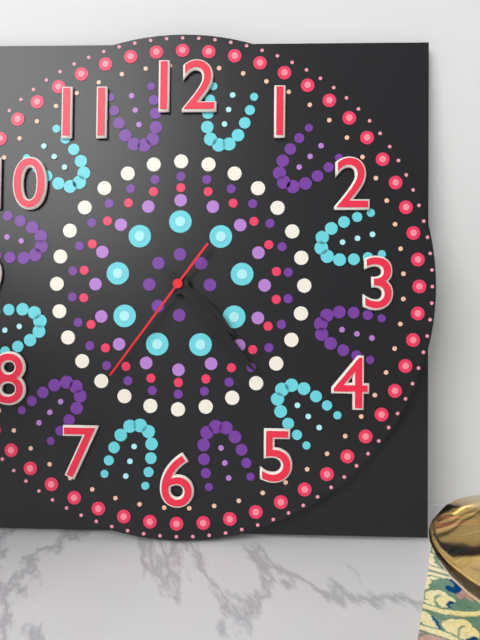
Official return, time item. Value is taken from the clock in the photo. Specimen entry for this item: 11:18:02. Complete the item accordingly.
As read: 4:23:36
